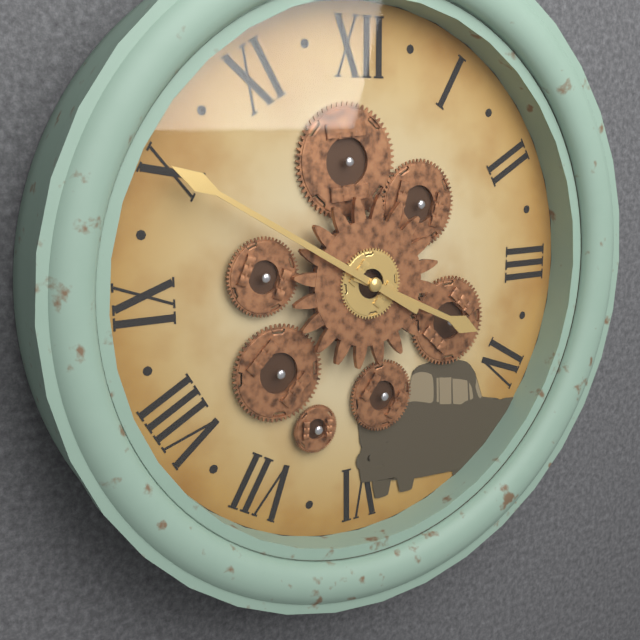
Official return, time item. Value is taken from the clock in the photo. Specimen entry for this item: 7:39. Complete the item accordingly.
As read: 3:50
